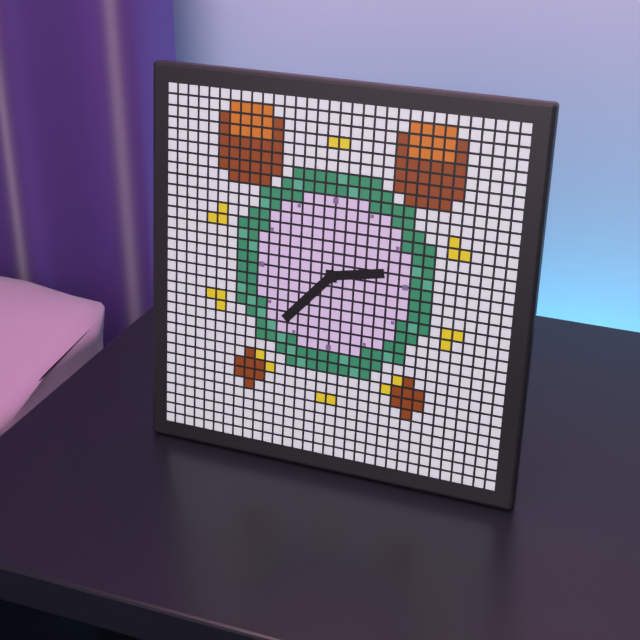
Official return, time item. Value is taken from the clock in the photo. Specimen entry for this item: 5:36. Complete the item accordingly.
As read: 2:37
